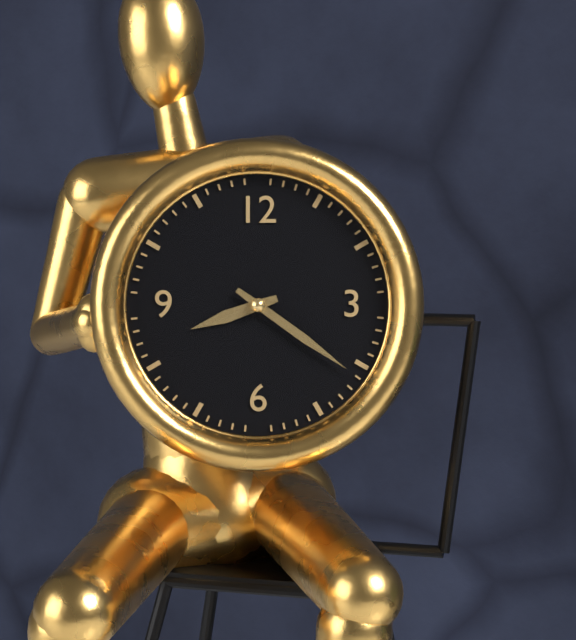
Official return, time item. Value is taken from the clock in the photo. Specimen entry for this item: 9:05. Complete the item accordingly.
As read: 8:21
